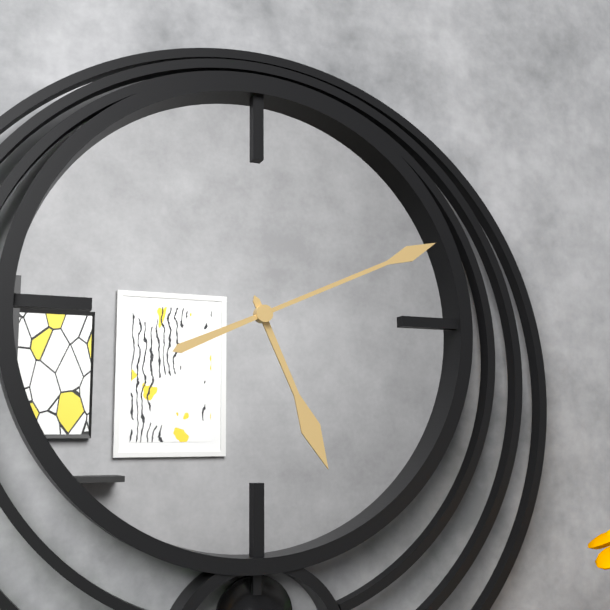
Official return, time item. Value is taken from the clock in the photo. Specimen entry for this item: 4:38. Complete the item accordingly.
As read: 5:11
